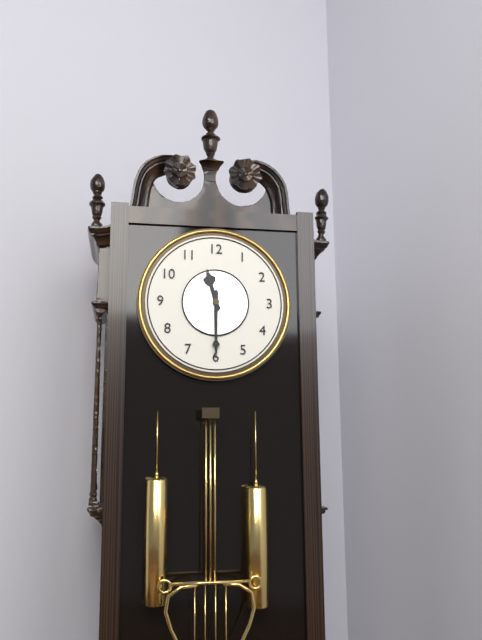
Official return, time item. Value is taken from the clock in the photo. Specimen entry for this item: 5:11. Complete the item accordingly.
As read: 11:30
